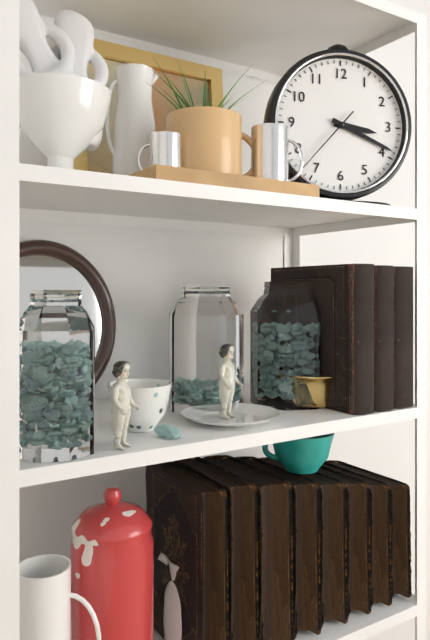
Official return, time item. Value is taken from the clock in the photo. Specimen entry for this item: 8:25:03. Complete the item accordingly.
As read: 3:19:37
